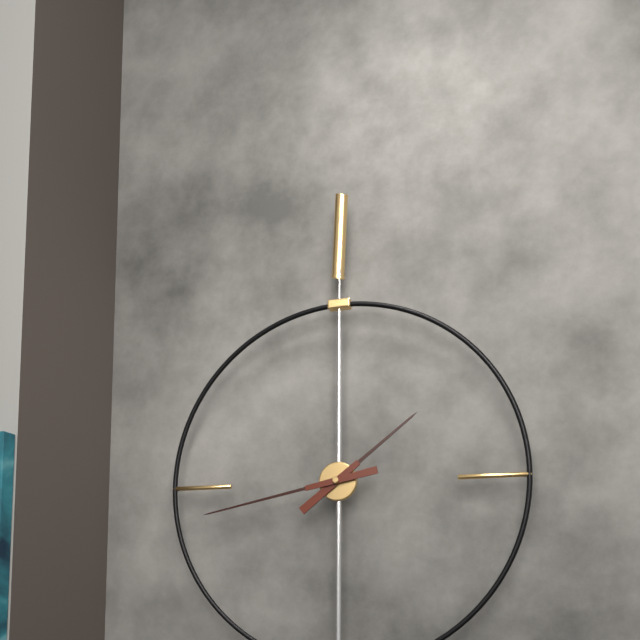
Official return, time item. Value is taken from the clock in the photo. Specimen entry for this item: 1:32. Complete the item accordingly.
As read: 1:43
